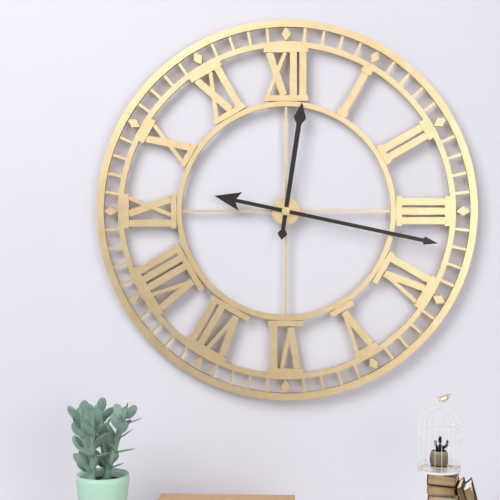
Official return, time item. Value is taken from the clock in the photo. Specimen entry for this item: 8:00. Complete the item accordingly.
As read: 12:17
